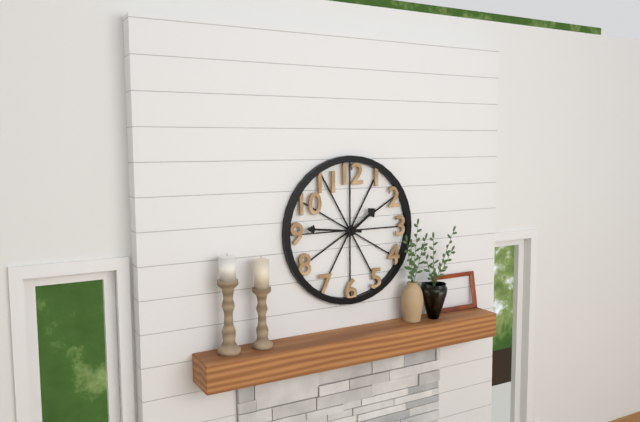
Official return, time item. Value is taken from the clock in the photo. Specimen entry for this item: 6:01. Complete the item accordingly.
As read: 1:46
